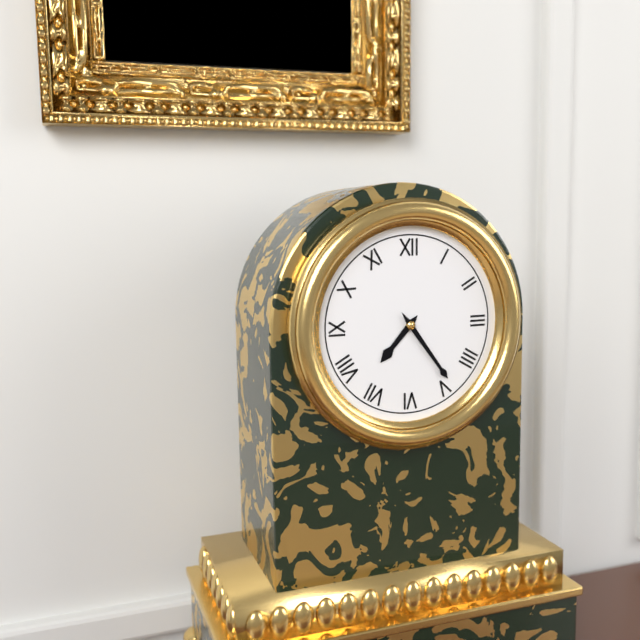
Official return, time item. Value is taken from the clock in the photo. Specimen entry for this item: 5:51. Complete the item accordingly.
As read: 7:24
